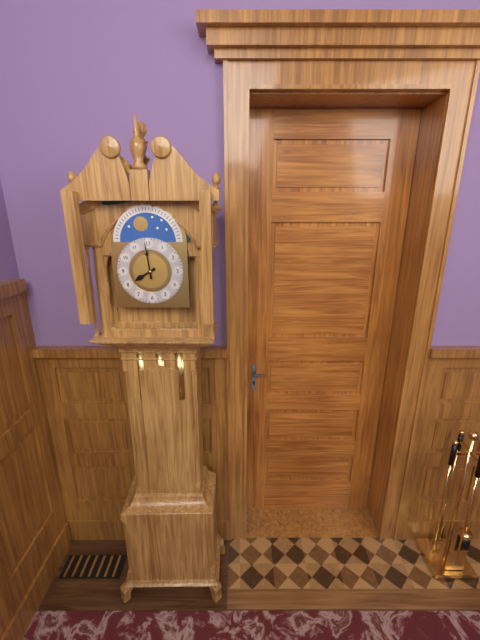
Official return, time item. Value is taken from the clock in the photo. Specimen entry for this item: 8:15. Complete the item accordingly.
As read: 7:59
